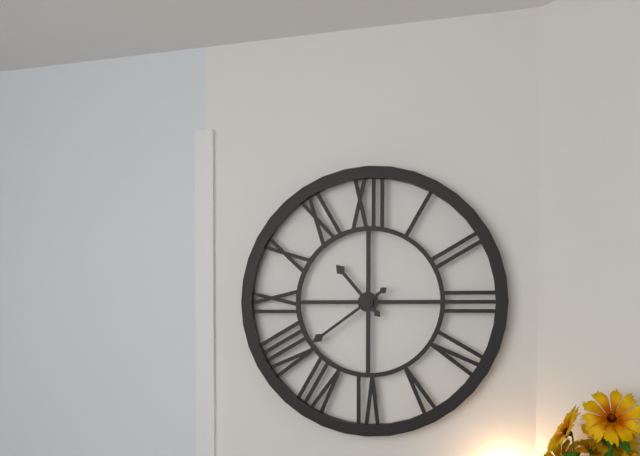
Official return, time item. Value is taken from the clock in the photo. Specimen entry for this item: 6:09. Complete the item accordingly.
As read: 10:39
